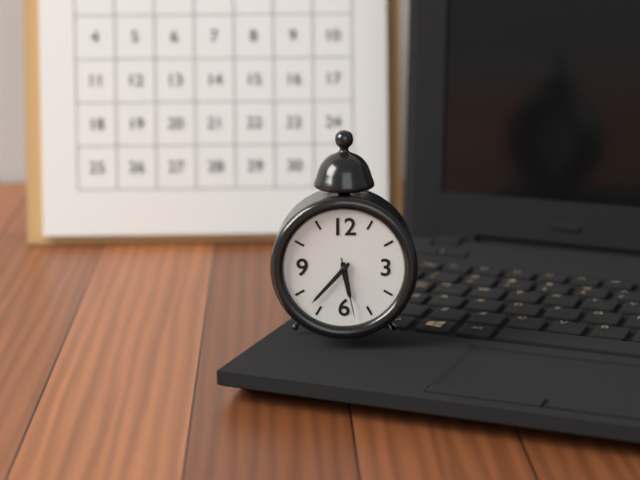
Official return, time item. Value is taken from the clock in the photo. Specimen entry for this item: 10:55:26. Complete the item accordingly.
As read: 5:37:28
